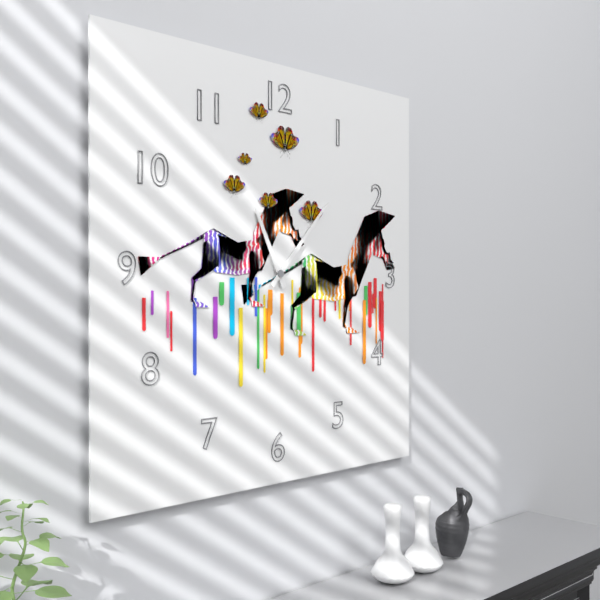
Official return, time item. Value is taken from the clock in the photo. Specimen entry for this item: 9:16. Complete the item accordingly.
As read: 11:07
